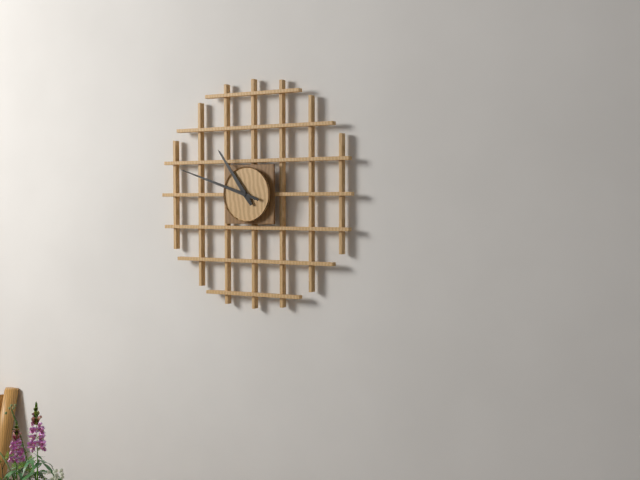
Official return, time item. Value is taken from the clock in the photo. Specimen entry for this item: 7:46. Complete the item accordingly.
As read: 10:48
